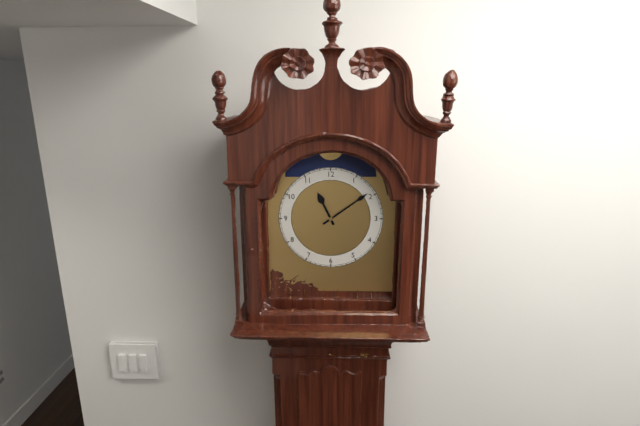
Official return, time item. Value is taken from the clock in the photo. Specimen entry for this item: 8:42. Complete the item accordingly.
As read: 11:09
